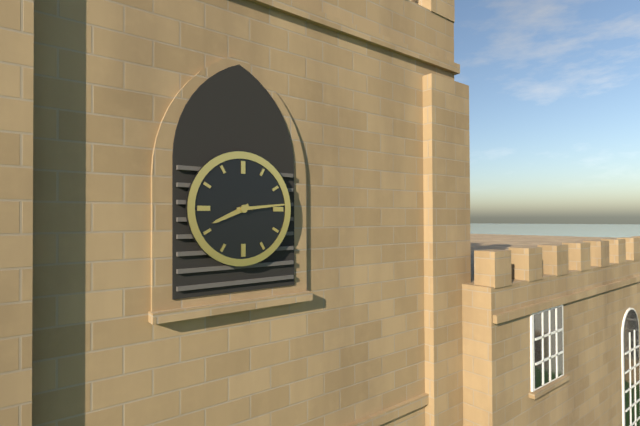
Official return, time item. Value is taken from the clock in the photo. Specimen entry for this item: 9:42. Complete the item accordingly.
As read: 8:14
